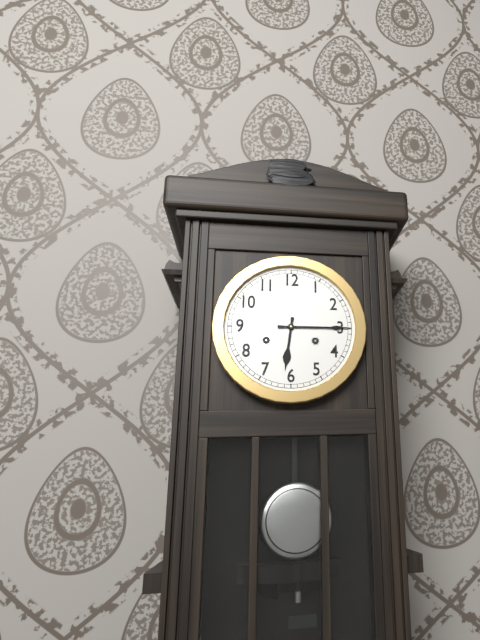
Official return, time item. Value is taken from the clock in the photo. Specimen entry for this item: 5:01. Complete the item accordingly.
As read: 6:15
